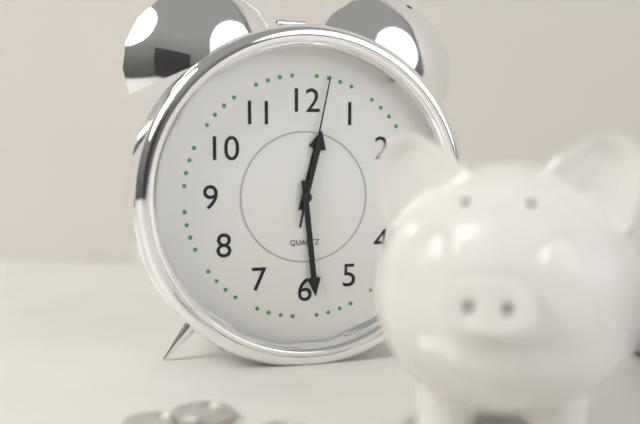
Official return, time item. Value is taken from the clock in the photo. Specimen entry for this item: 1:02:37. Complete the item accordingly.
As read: 12:29:02
